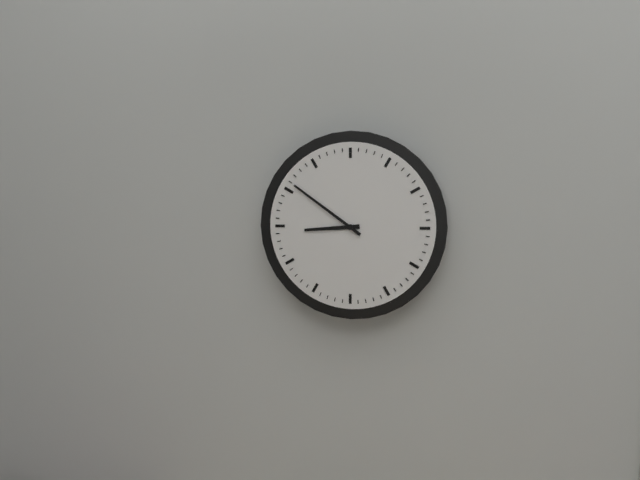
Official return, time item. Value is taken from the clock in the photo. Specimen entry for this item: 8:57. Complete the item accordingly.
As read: 8:51
